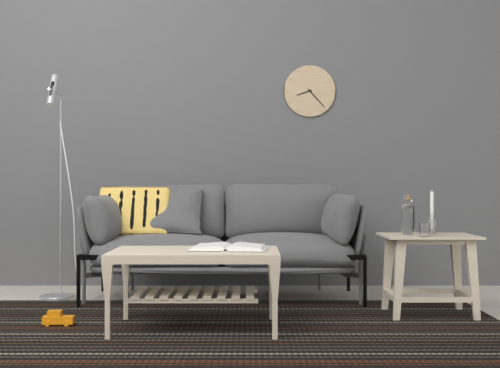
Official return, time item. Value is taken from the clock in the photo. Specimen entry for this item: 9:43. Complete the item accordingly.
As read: 8:23
